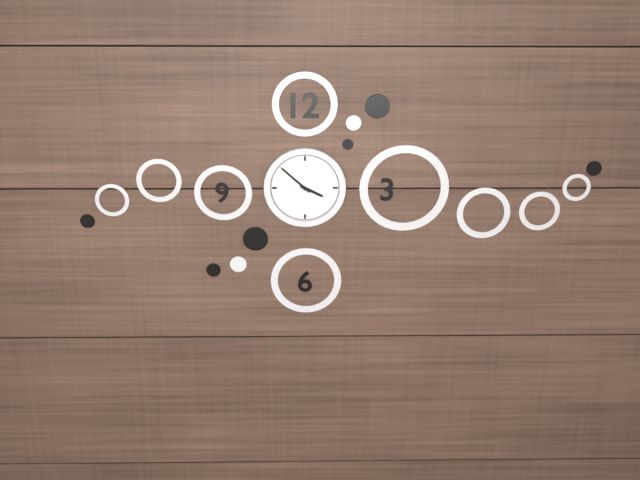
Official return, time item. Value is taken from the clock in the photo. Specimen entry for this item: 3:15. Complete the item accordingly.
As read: 3:52
